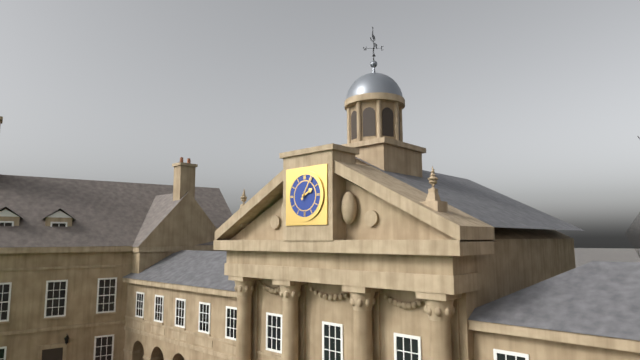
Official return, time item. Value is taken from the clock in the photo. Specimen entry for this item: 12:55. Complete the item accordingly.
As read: 2:05
